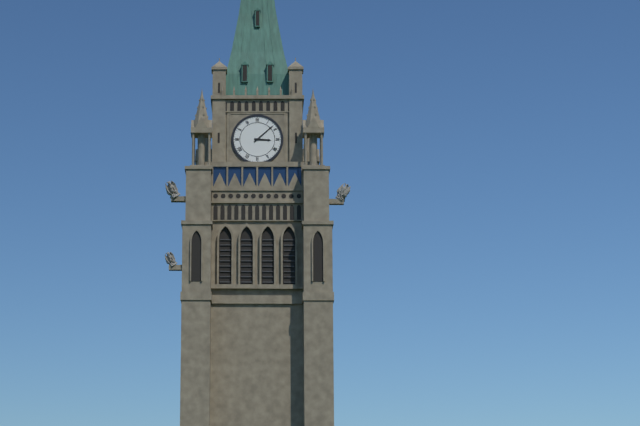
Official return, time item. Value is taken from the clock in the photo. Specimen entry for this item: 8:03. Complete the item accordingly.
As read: 3:08
